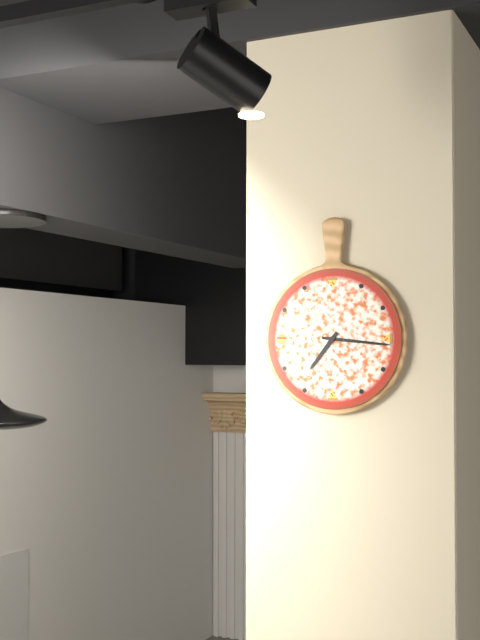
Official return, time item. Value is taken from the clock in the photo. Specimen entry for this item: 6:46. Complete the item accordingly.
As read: 7:16
